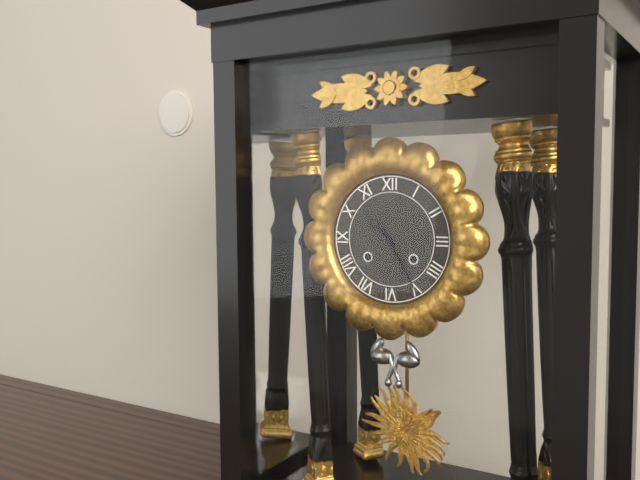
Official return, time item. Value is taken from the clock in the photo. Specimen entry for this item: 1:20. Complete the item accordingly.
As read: 10:25
